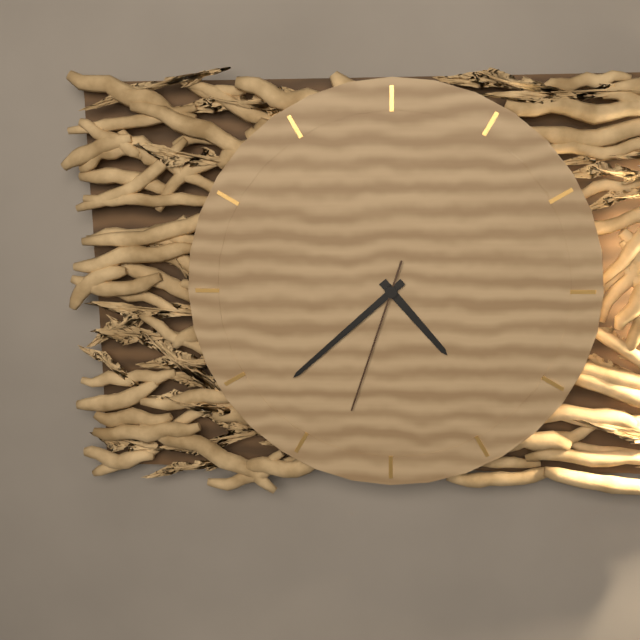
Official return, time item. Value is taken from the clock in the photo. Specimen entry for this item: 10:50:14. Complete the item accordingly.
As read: 4:38:33
